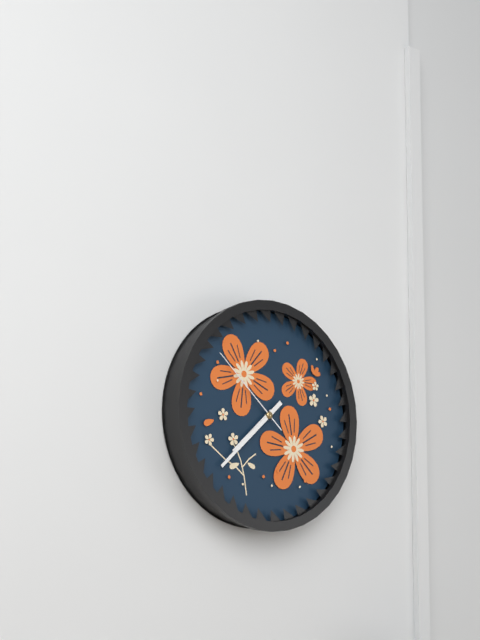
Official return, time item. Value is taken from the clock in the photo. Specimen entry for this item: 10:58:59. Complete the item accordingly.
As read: 7:38:52
